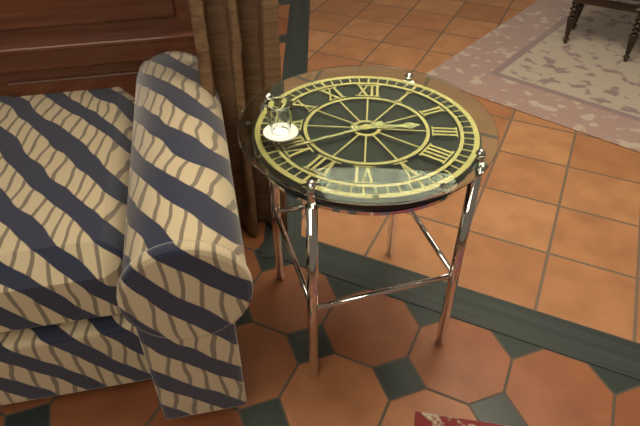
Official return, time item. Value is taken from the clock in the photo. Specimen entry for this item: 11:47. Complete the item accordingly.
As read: 2:40
